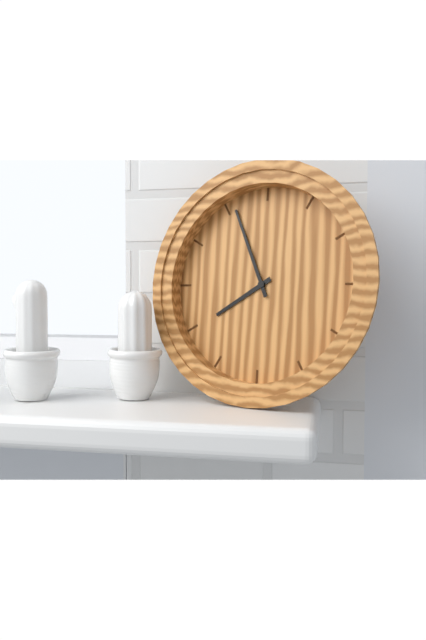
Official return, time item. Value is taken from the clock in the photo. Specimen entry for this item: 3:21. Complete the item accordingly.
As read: 7:56
